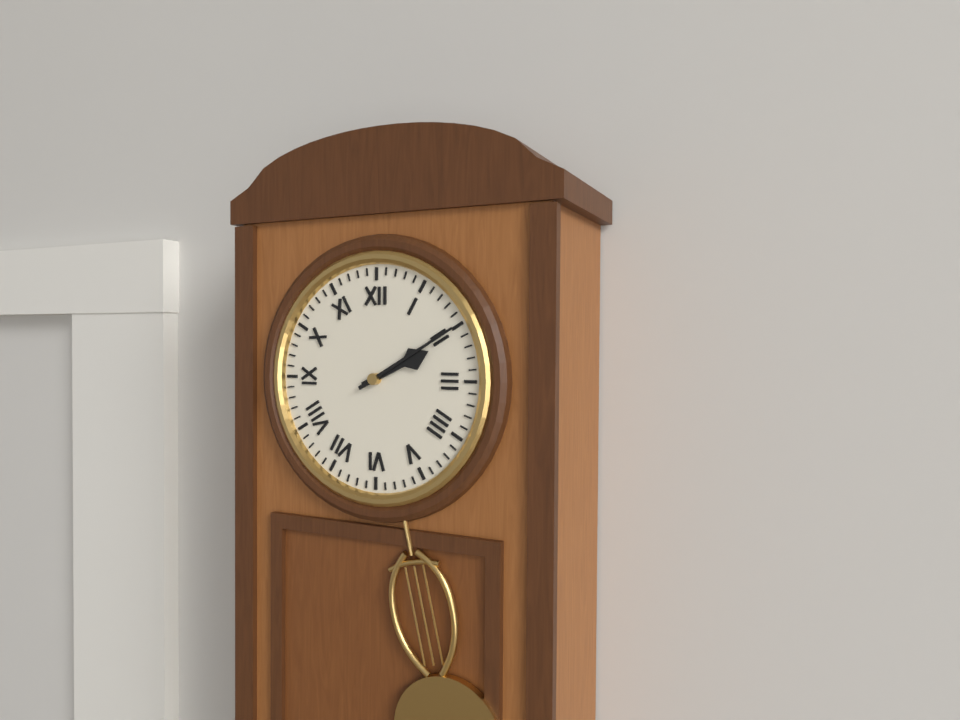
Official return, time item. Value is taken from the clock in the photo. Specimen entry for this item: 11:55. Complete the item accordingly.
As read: 2:10
